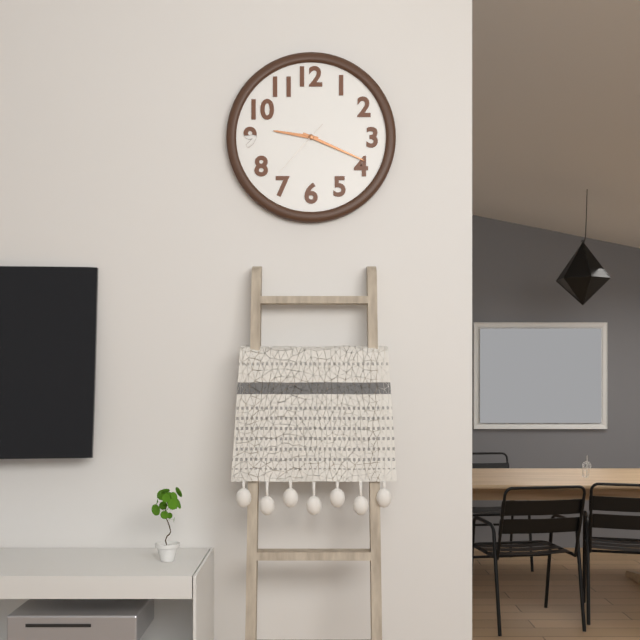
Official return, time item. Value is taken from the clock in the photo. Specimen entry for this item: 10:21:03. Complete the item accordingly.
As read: 9:19:37
